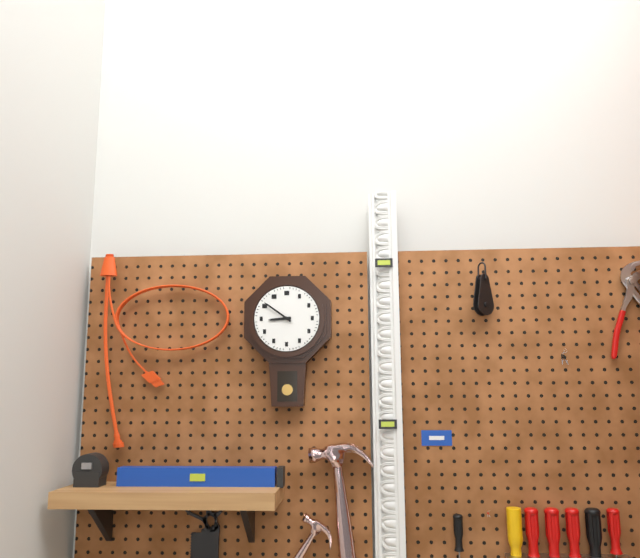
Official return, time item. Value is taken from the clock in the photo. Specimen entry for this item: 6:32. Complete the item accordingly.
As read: 8:51
